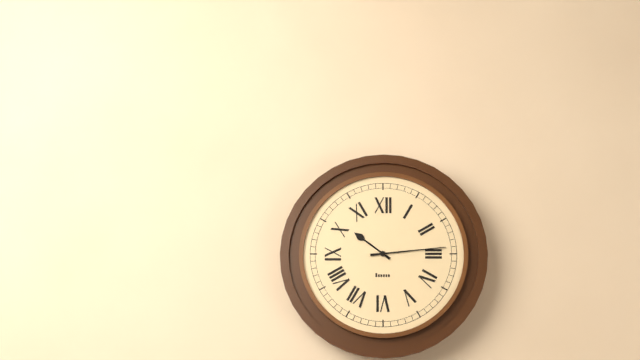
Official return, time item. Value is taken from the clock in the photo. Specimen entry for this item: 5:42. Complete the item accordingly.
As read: 10:14
